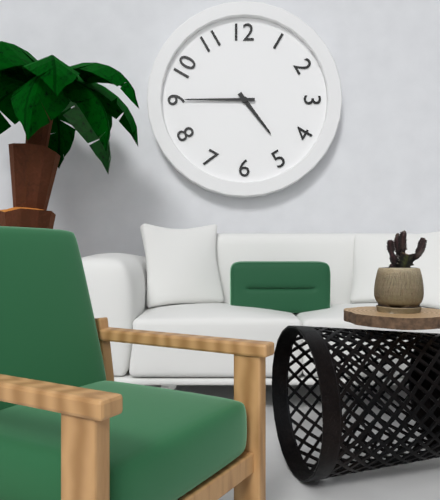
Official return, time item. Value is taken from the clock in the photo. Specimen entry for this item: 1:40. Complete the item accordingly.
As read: 4:45
